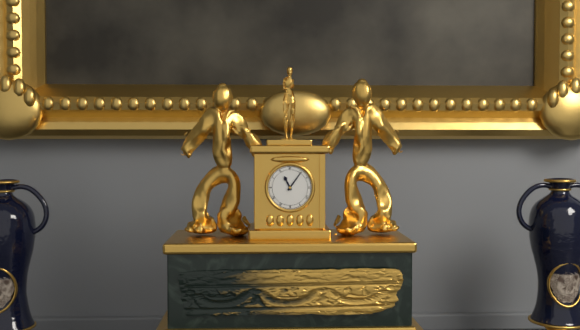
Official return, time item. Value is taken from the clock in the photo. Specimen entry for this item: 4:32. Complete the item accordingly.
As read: 11:06
